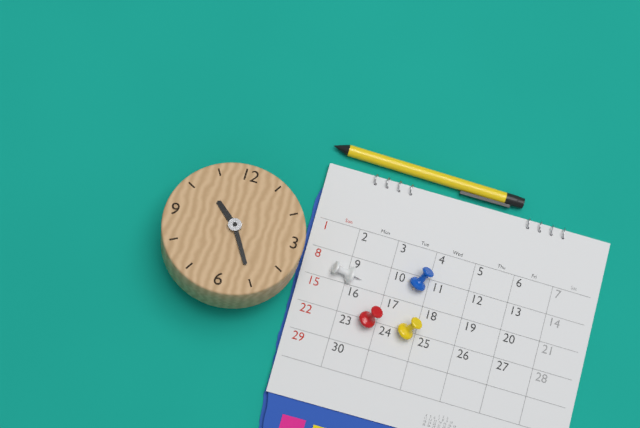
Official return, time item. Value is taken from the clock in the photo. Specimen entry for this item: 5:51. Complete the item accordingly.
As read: 10:25
